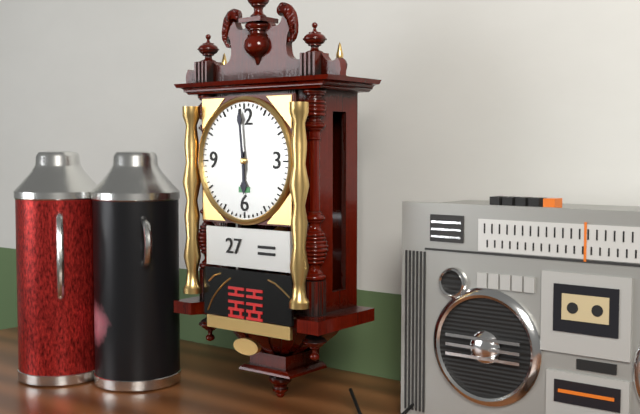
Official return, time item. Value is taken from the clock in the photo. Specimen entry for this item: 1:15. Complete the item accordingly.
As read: 5:59
